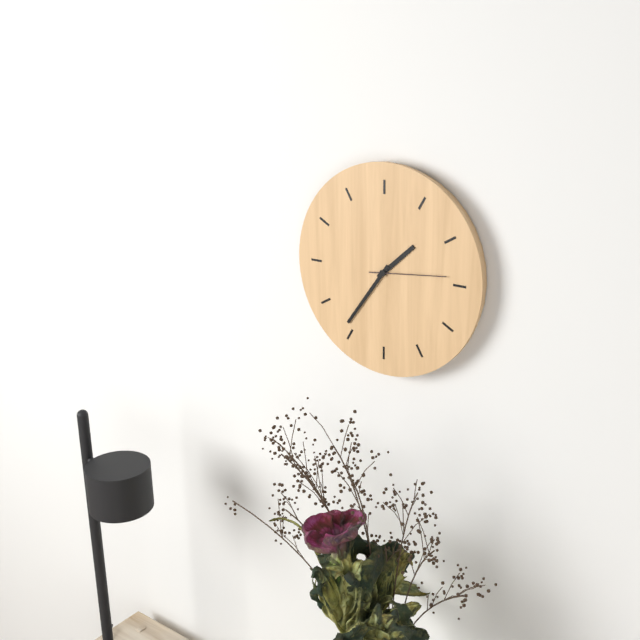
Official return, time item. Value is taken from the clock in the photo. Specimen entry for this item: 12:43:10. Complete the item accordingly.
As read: 1:36:14
